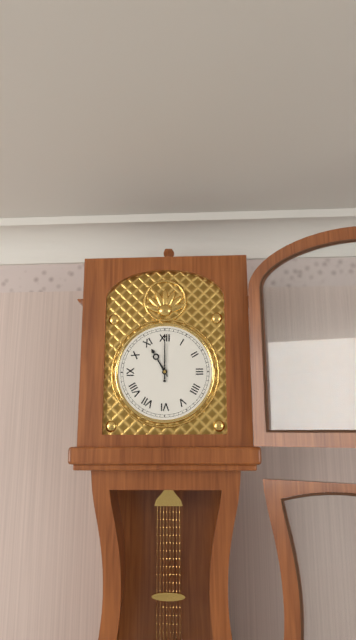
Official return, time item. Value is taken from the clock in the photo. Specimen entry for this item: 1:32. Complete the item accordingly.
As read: 11:00
